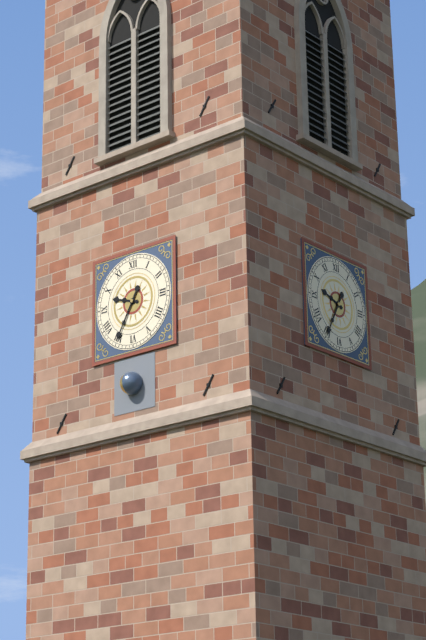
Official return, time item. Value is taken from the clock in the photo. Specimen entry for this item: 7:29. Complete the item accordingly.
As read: 9:35
